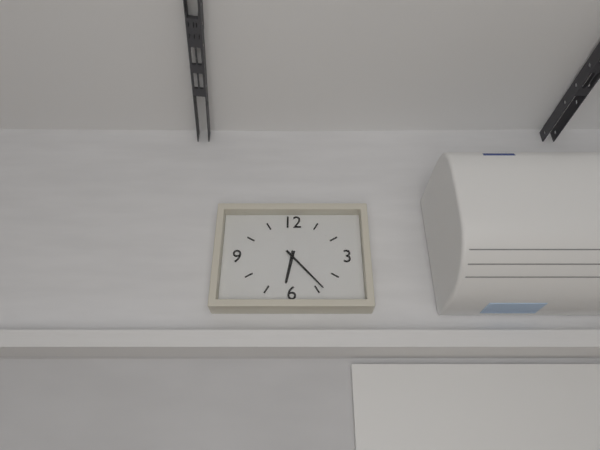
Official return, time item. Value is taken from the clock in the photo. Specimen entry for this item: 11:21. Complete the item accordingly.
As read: 6:23
